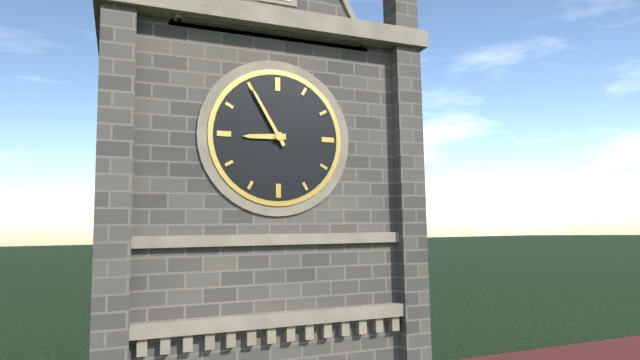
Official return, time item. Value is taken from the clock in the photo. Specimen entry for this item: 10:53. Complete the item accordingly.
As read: 8:55
